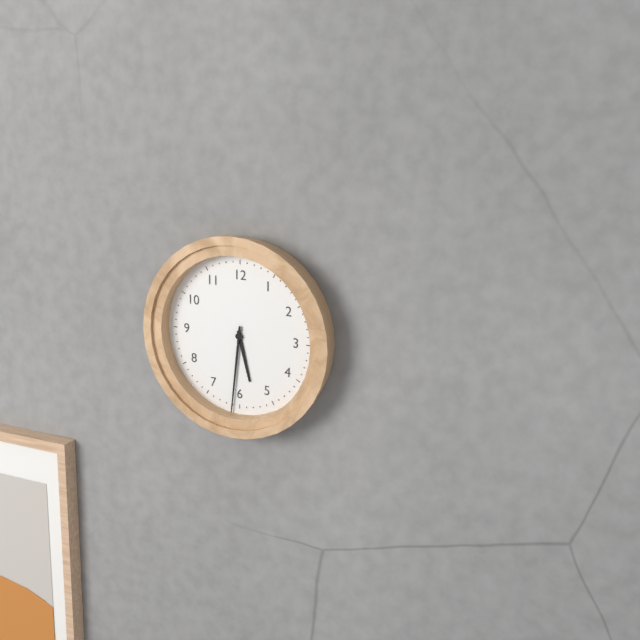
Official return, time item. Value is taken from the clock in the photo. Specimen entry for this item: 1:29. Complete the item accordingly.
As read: 5:31
